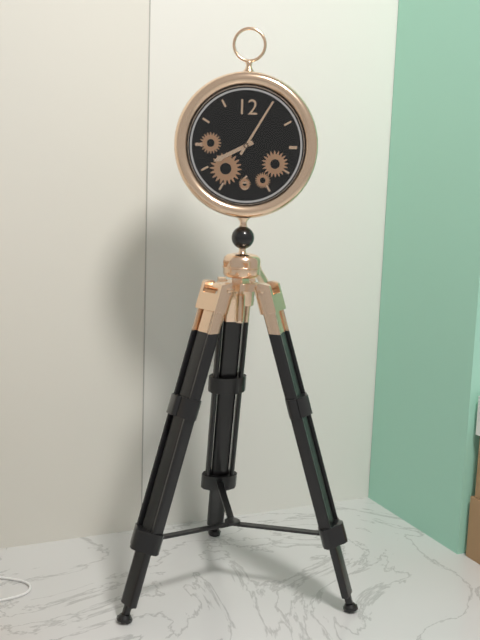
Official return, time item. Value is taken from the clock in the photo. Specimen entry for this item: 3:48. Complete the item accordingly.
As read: 8:05
